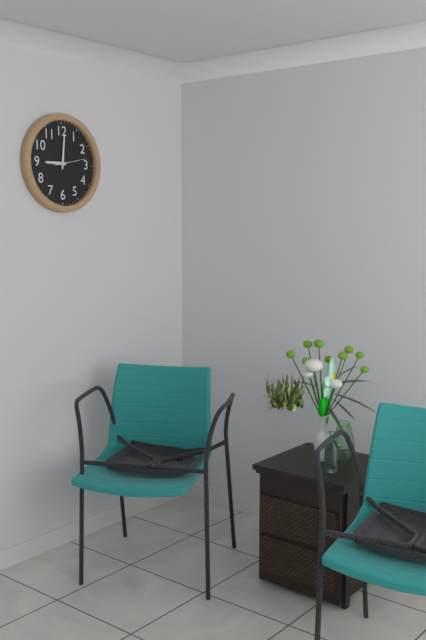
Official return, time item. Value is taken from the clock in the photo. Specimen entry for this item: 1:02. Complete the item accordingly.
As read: 9:01
